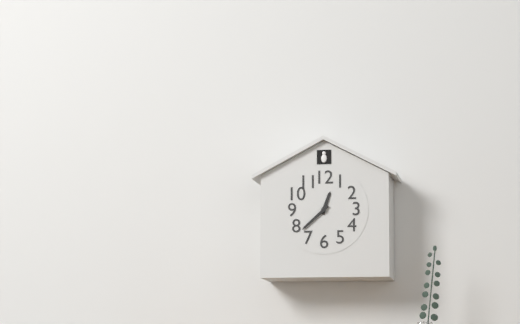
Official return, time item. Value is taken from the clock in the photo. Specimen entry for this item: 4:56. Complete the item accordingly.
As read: 12:38
